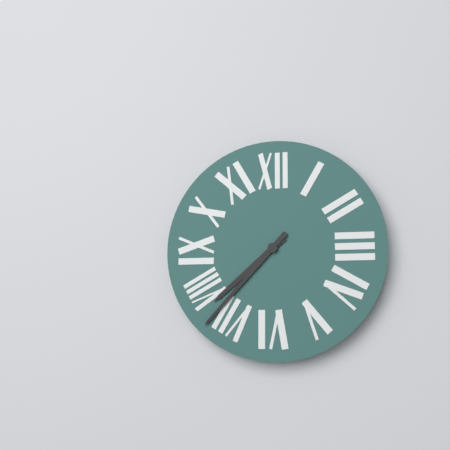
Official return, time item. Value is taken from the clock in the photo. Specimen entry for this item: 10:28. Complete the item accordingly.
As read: 7:37
